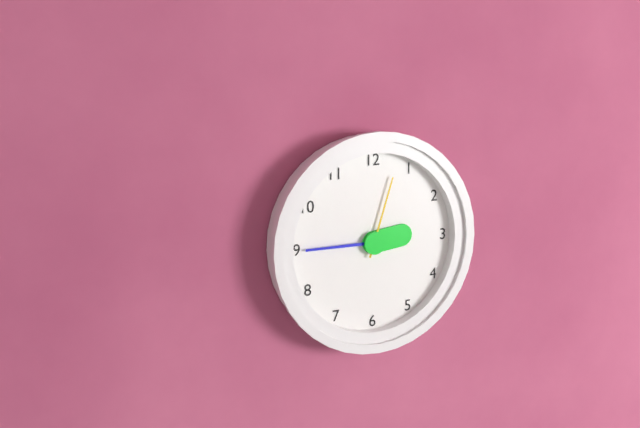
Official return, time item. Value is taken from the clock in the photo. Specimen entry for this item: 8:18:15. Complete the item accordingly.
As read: 2:45:03
